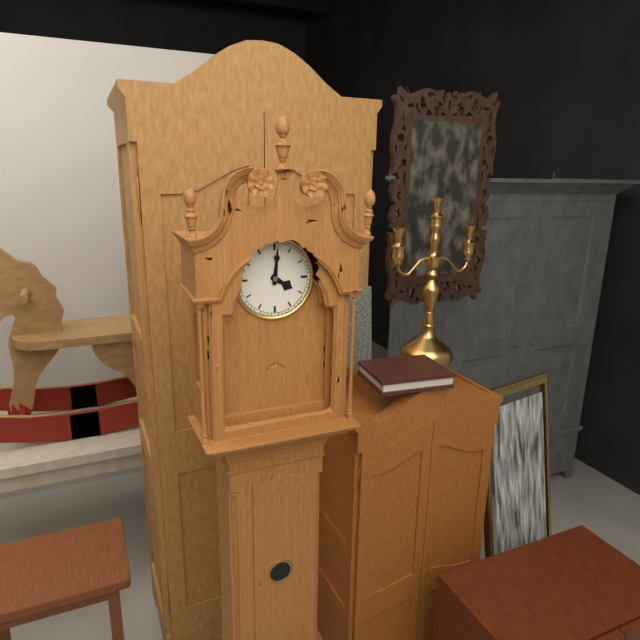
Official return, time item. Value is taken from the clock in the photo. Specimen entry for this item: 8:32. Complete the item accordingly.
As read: 4:01
